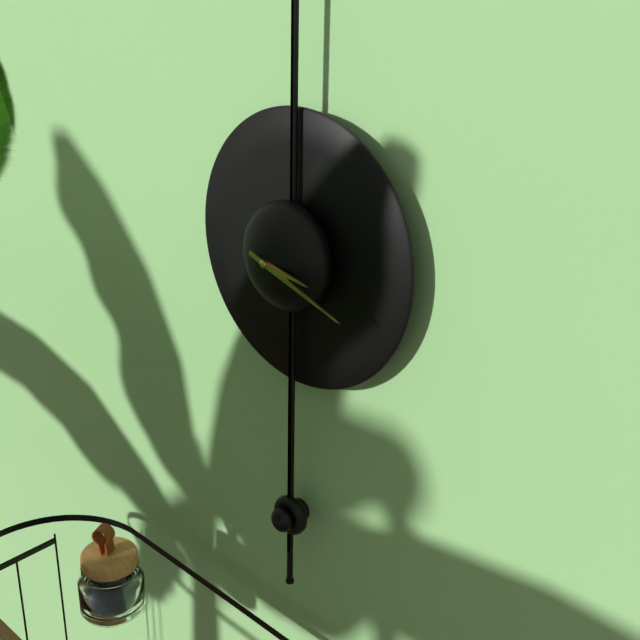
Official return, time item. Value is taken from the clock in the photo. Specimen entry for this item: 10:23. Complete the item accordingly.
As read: 3:18
